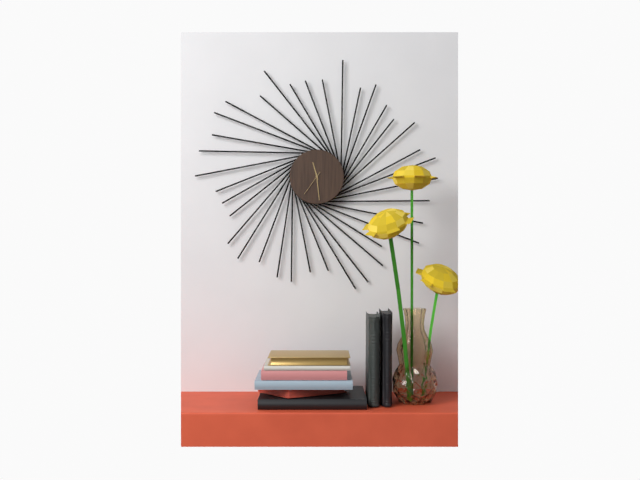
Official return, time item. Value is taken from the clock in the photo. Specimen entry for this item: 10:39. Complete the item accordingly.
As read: 11:29
